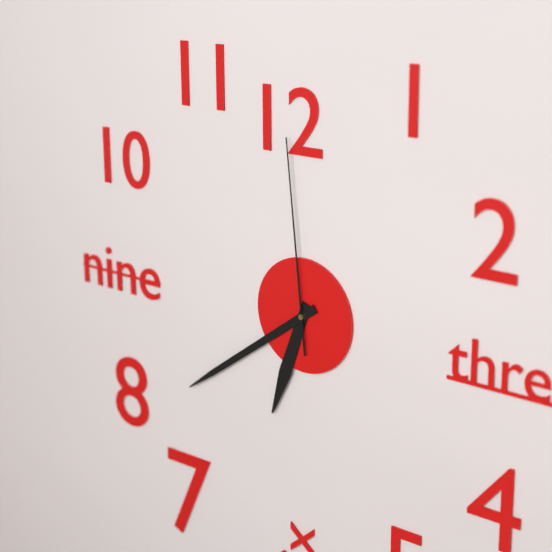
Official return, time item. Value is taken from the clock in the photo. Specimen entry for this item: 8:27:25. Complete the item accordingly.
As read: 6:39:59
